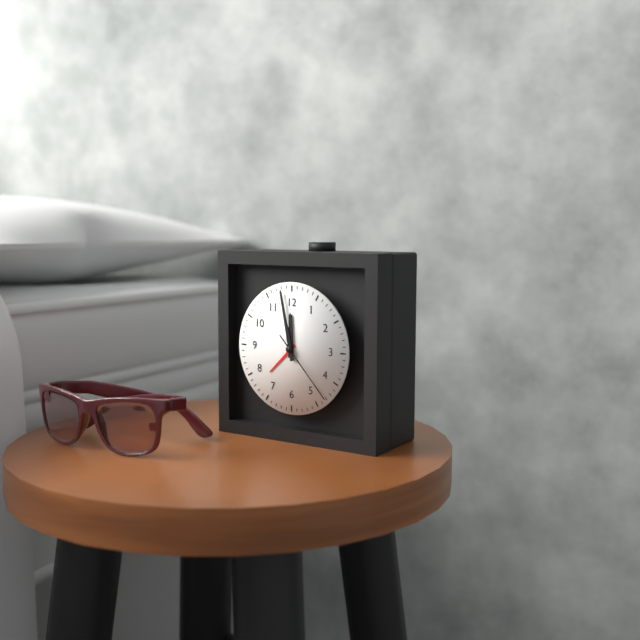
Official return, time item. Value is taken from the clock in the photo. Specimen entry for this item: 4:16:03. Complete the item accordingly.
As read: 11:58:23
